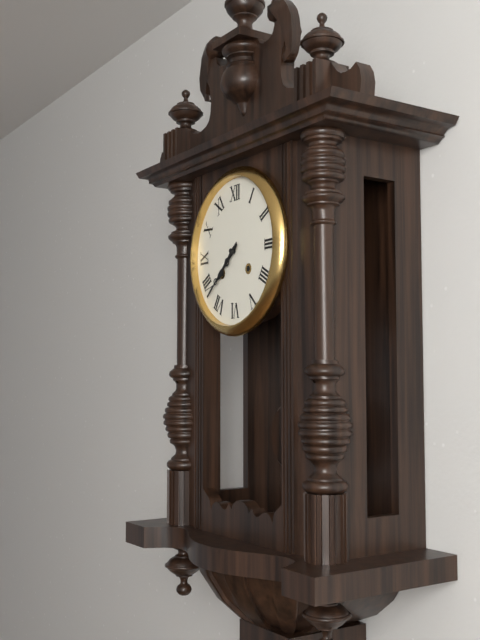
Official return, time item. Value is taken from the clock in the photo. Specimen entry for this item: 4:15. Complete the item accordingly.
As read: 7:38
